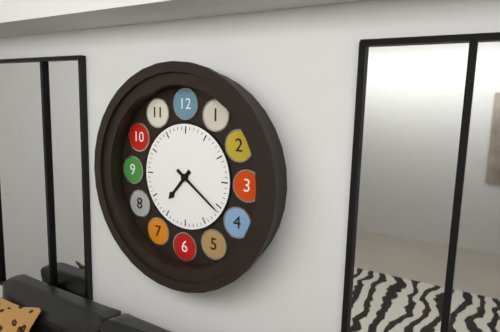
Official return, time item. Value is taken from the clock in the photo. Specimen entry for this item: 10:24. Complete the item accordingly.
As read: 7:21
